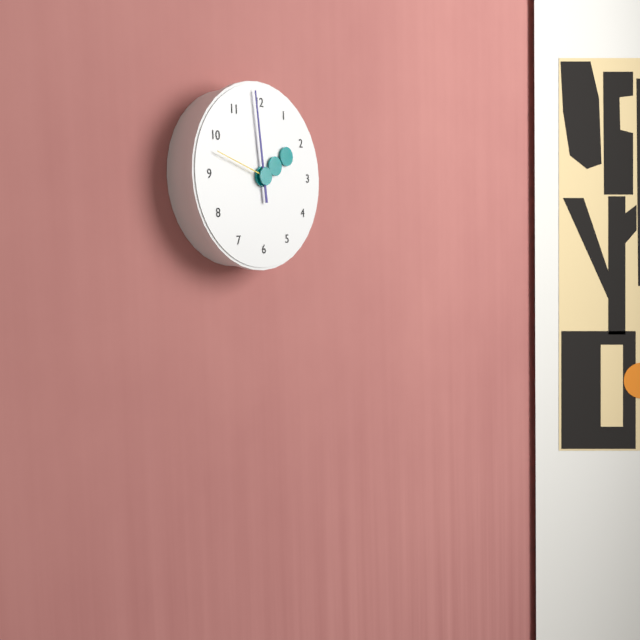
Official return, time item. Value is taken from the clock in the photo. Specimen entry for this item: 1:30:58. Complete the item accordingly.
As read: 1:59:48
